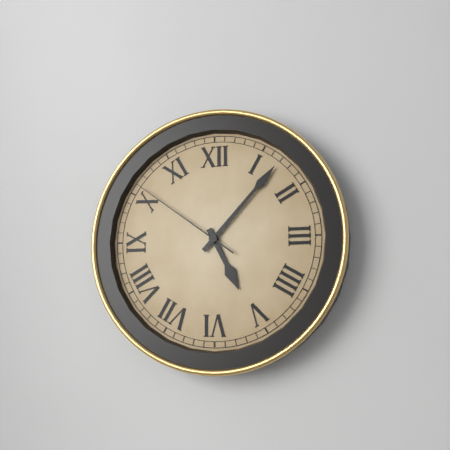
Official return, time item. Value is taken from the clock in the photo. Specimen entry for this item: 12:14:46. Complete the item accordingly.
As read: 5:07:51
